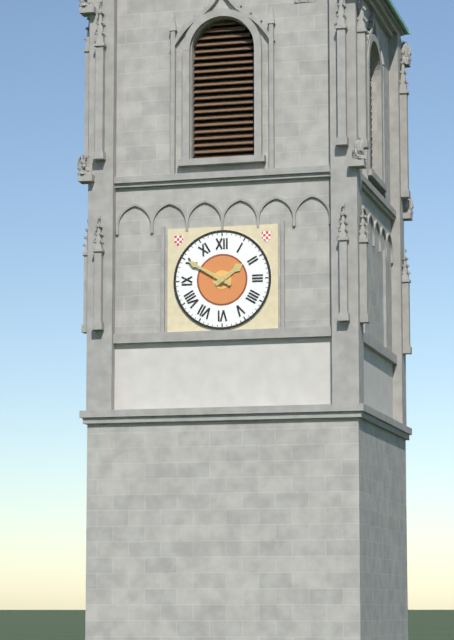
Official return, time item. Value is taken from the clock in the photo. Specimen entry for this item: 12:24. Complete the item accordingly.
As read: 1:50
